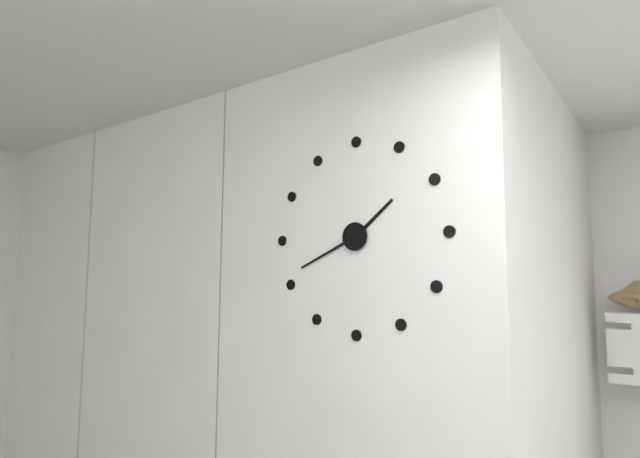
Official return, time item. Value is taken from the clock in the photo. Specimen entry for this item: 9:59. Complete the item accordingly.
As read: 1:41
